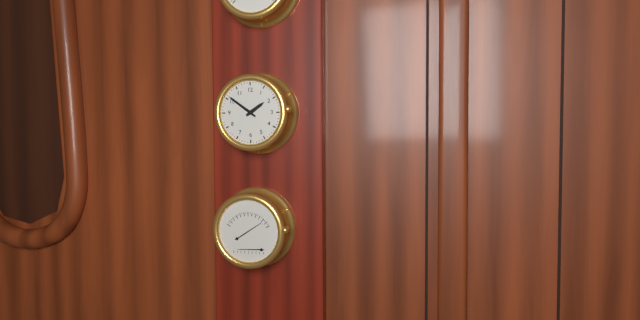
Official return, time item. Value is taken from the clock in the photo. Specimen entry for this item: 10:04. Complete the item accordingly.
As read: 1:51
